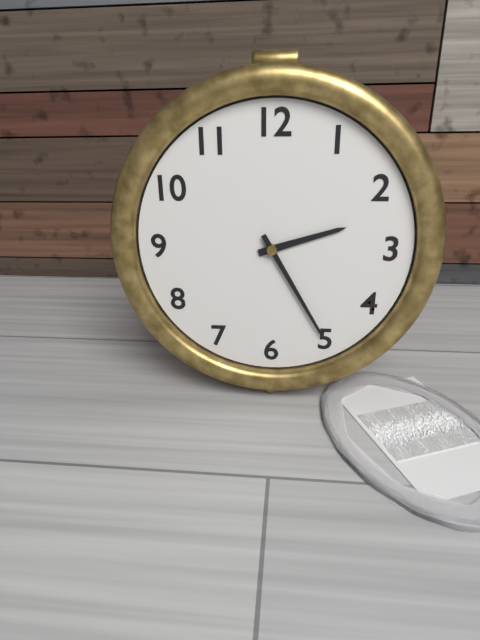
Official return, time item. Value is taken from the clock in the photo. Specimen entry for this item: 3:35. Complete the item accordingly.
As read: 2:25
